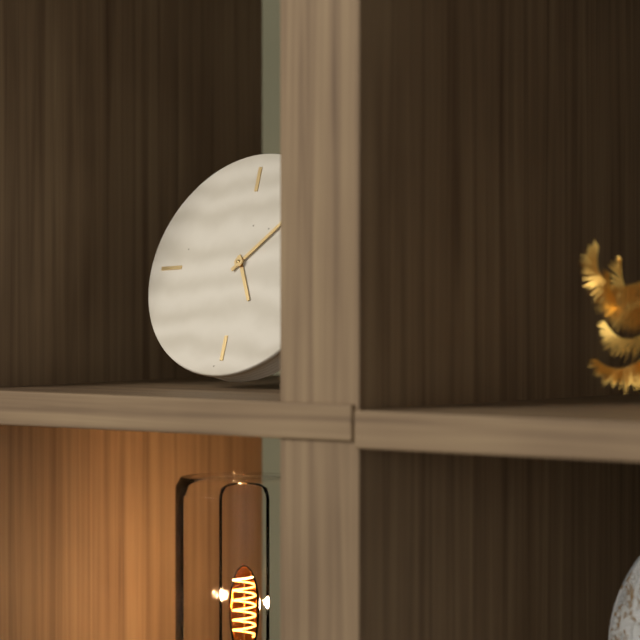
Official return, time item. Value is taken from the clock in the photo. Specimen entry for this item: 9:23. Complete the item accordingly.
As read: 5:08
